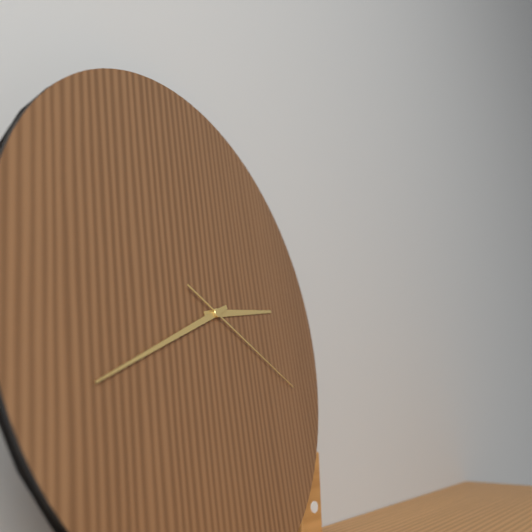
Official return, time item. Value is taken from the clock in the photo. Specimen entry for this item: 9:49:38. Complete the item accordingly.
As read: 2:41:19
